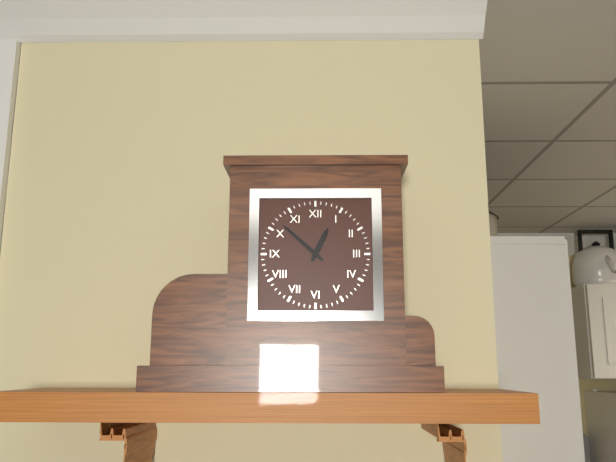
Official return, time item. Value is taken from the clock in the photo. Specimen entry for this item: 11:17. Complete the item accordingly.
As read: 12:52
